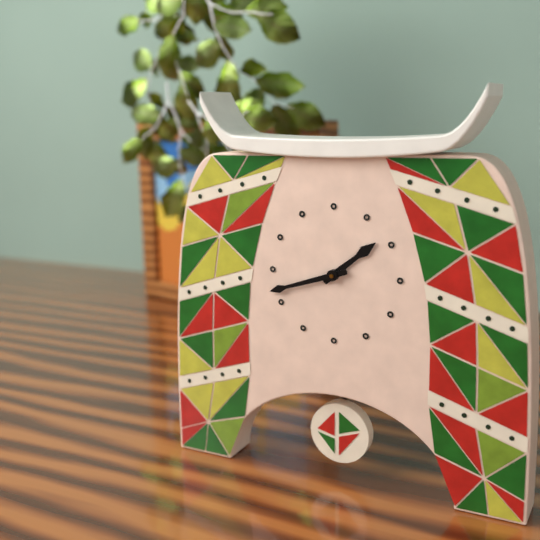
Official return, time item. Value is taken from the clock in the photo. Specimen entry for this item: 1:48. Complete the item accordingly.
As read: 1:42
